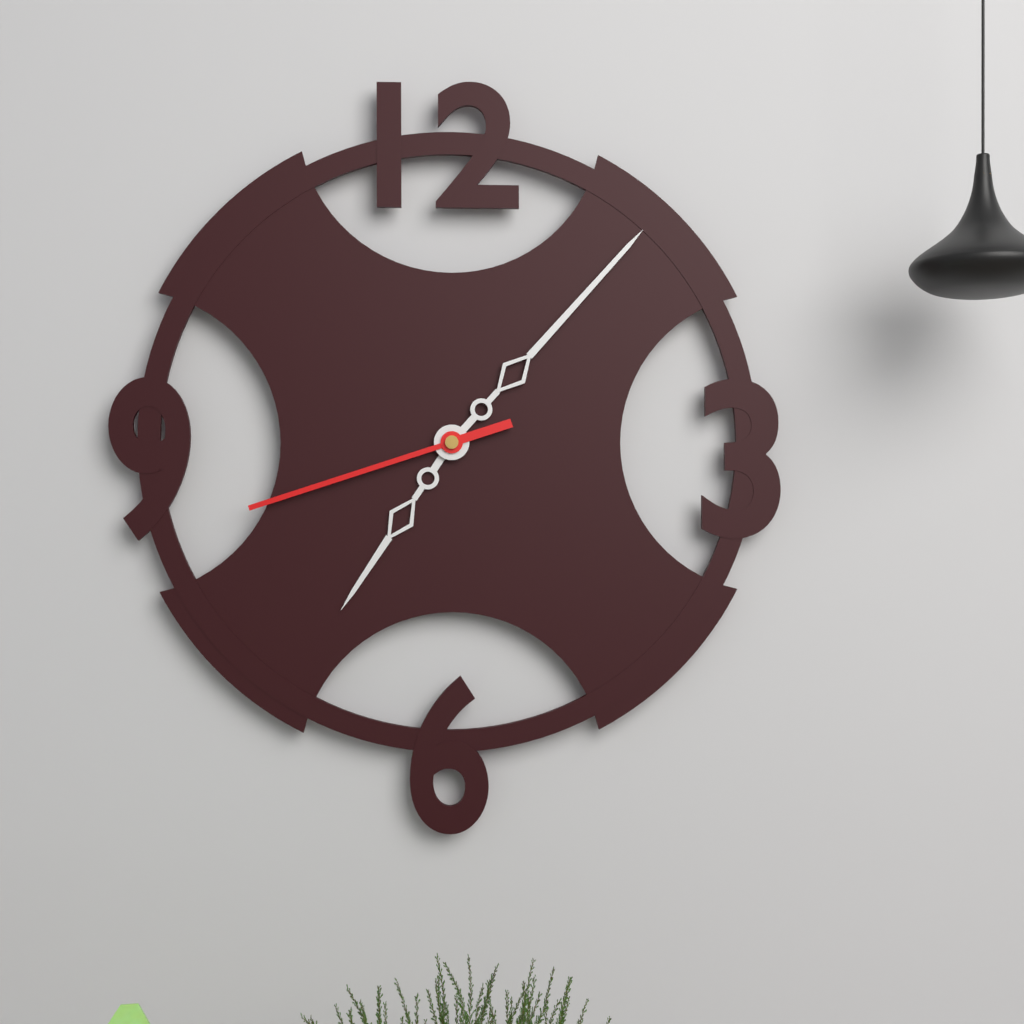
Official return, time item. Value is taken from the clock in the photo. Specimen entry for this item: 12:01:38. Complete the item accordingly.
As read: 7:07:42
